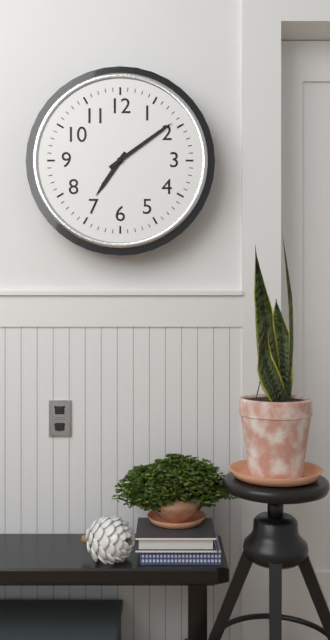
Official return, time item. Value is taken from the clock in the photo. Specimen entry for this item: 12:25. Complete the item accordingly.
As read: 7:09
